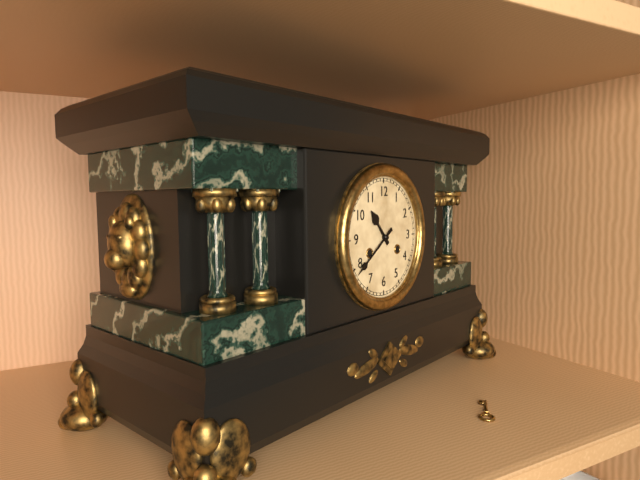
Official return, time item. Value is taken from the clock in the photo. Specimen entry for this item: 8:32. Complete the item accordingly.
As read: 10:39
